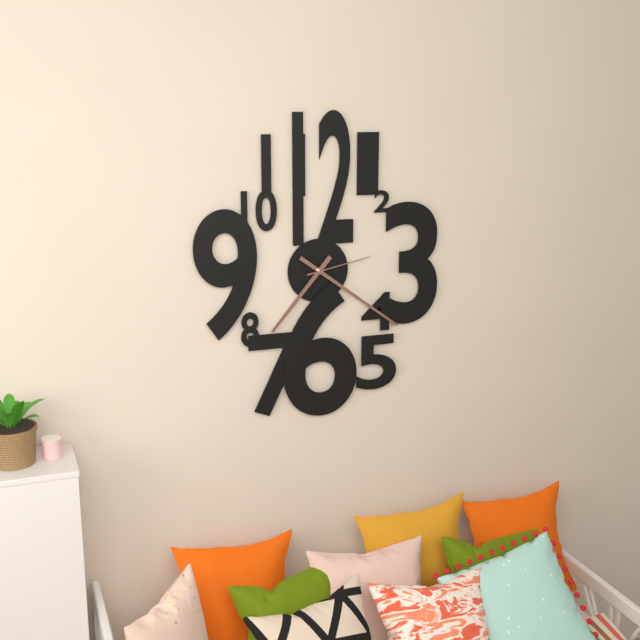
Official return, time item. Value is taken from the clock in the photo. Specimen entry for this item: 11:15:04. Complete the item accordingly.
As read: 7:21:13
